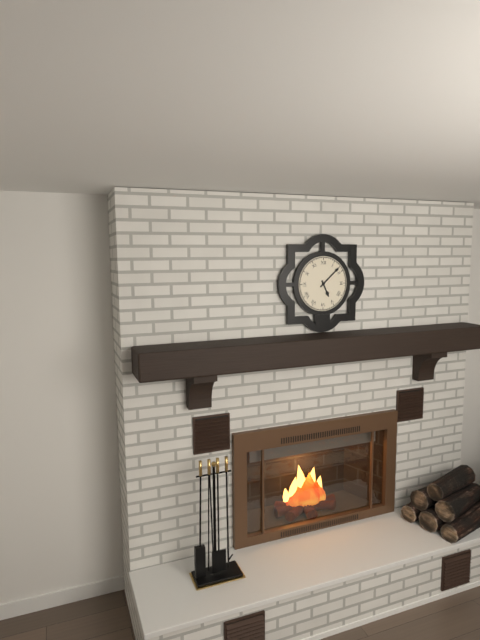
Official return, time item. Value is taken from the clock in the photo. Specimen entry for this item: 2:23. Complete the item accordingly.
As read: 5:08
